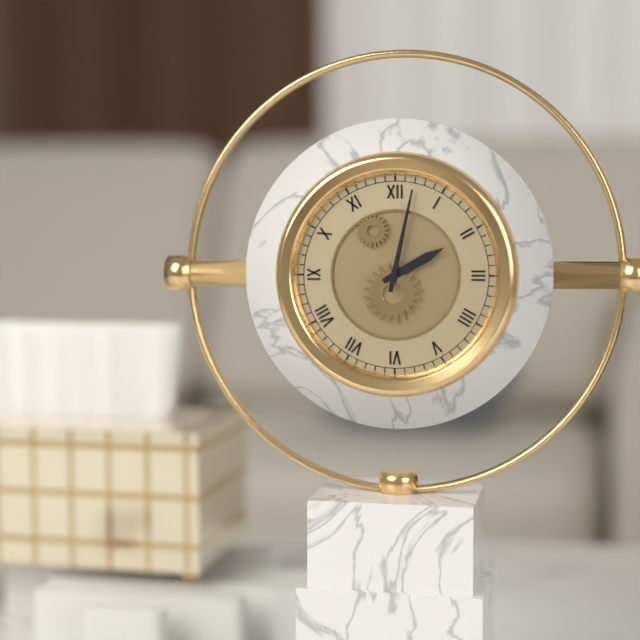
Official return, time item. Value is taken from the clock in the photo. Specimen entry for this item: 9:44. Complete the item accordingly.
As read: 2:02
